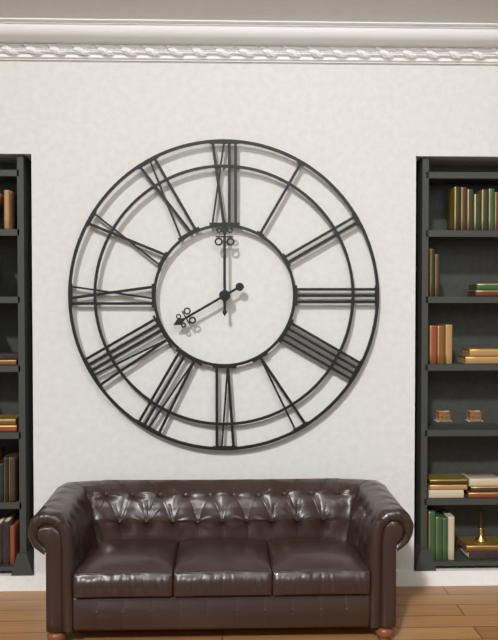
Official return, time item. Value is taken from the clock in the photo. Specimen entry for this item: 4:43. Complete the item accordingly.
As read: 8:00
